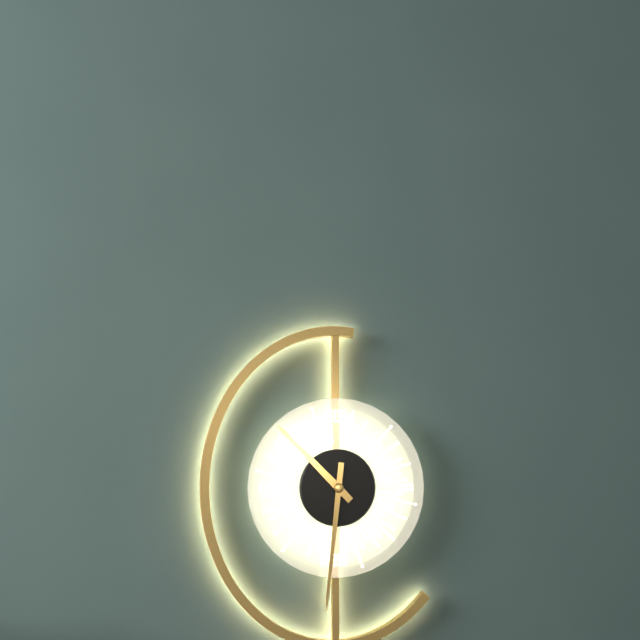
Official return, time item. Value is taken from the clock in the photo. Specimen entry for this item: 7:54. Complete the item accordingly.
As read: 10:31
